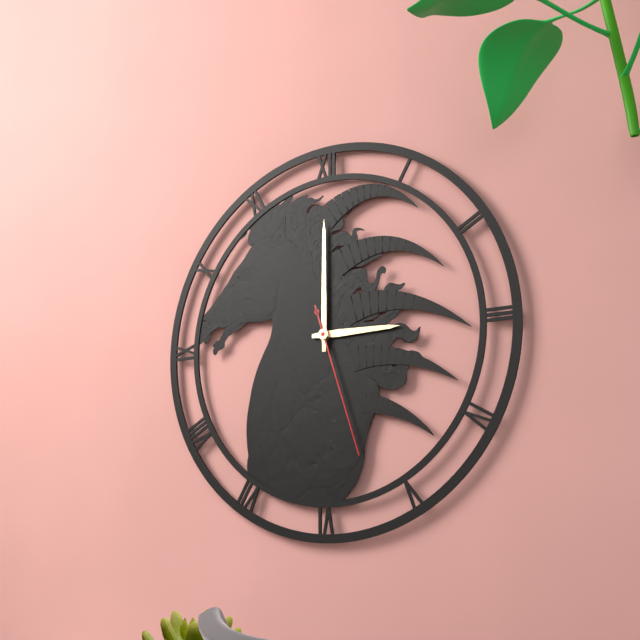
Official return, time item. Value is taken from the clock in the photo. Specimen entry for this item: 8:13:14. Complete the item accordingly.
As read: 3:00:27
